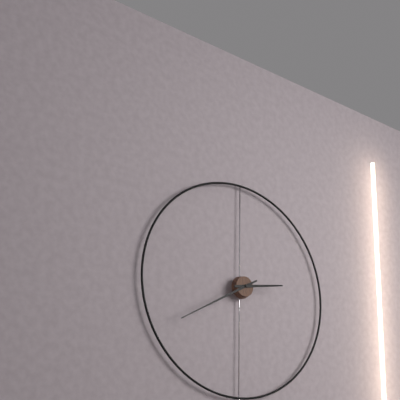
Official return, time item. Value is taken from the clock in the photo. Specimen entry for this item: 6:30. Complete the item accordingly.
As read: 2:40
